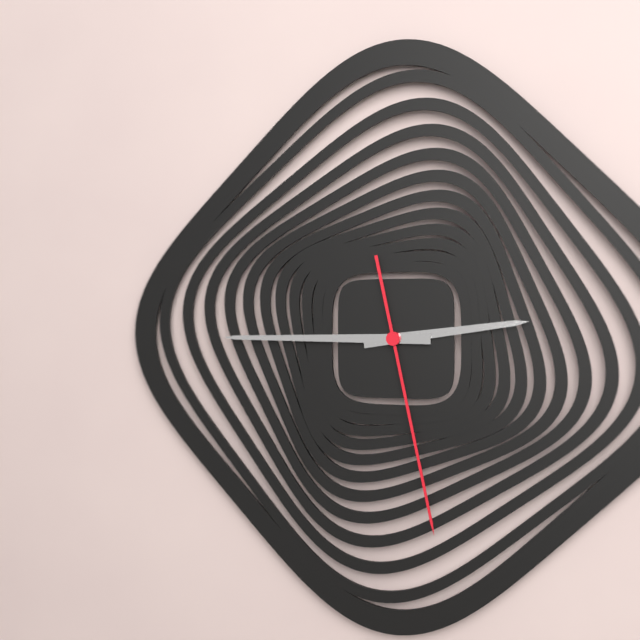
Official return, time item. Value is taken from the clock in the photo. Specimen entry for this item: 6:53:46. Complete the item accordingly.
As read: 2:45:28
